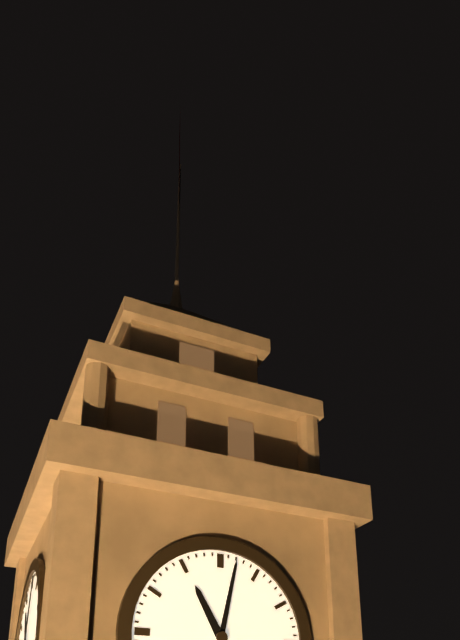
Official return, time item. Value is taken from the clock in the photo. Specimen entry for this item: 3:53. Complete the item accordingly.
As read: 11:02
